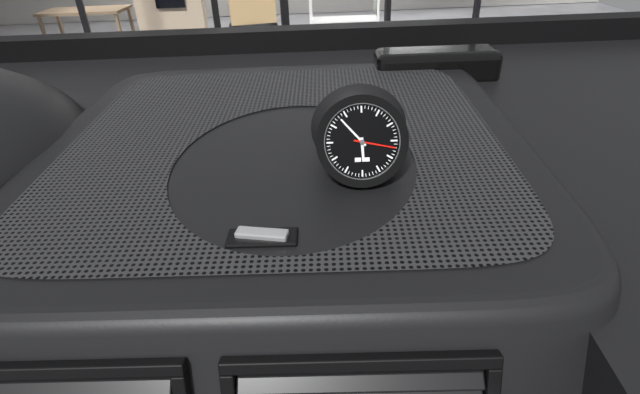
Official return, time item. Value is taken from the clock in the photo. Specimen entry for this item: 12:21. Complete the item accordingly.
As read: 5:53
